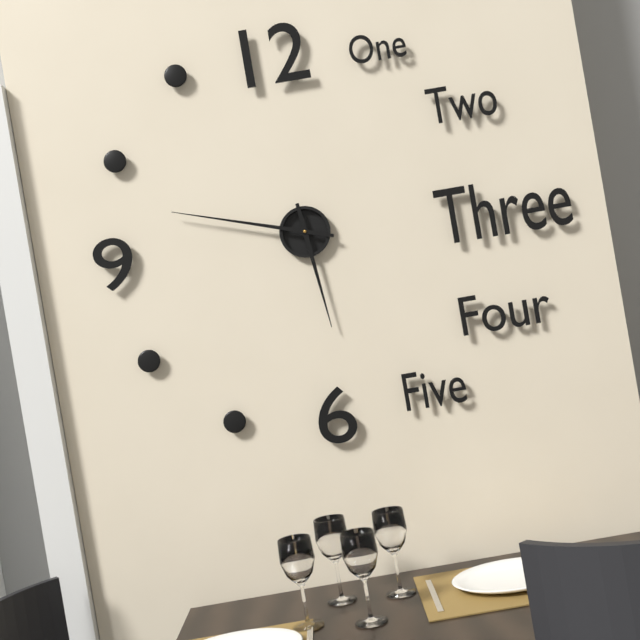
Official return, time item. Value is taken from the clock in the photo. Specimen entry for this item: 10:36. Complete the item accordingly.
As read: 5:48
